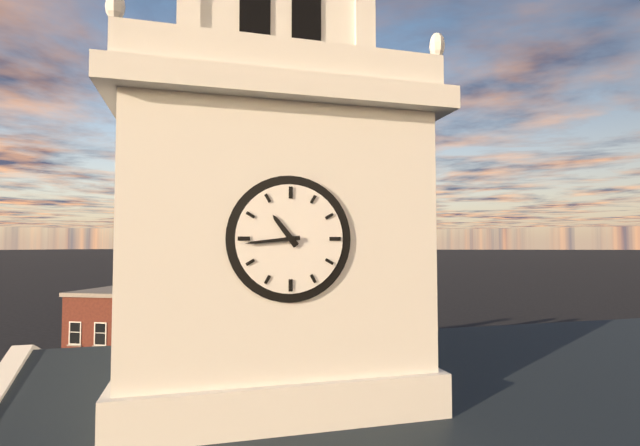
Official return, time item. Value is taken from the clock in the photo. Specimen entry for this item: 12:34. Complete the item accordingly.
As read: 10:44
